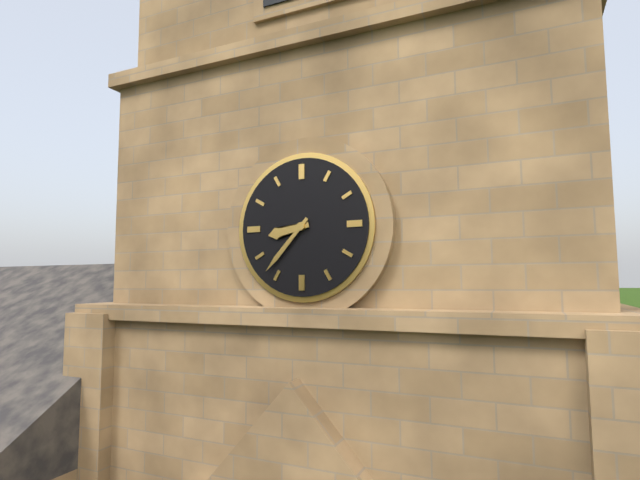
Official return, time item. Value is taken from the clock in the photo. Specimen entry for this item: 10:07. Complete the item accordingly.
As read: 8:37
